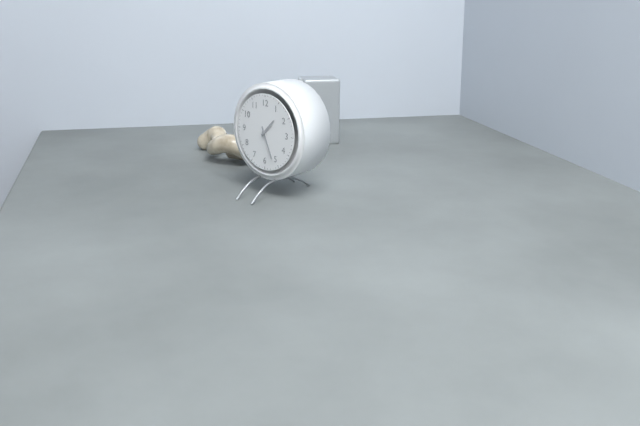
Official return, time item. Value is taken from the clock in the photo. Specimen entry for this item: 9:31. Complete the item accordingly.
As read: 1:26
